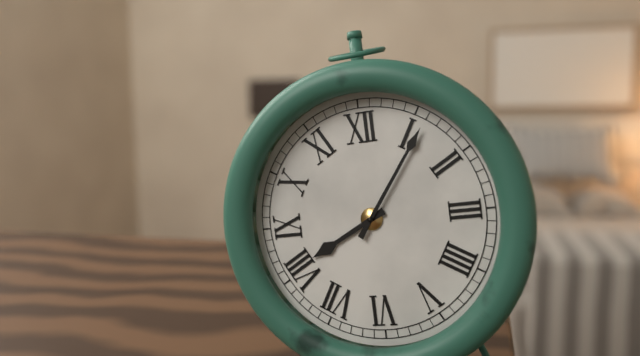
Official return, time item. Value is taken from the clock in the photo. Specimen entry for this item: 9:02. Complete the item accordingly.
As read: 8:06
